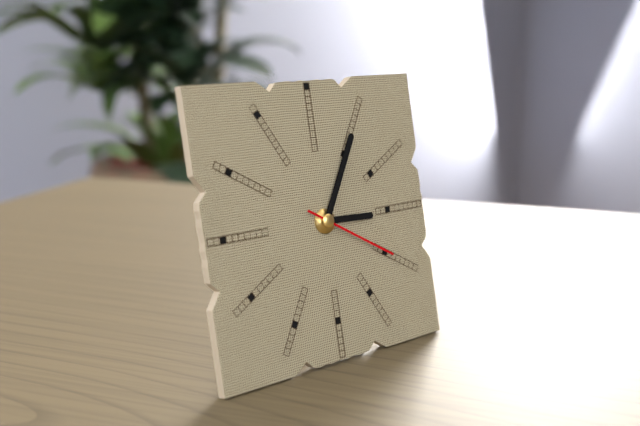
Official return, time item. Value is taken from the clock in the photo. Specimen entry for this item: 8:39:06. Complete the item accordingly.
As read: 3:05:20
